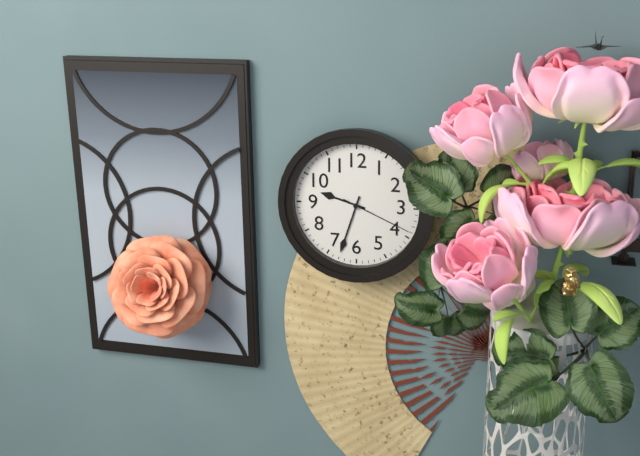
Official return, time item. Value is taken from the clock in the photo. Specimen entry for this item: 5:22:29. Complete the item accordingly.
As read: 9:33:19
